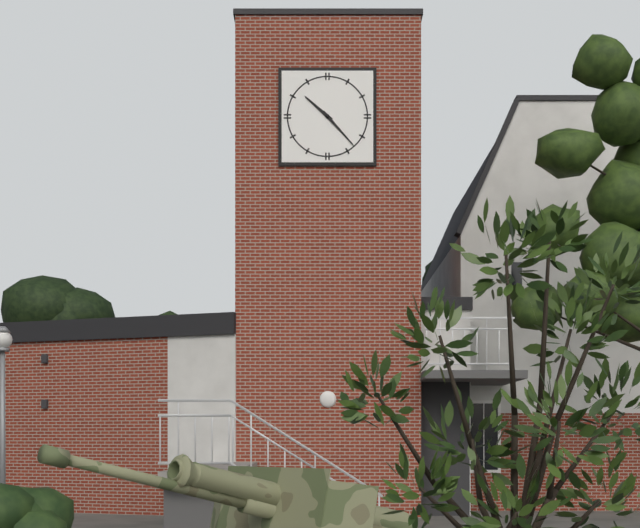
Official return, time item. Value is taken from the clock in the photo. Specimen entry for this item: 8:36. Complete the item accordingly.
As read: 10:23
